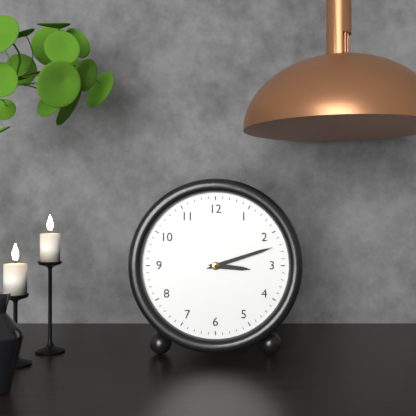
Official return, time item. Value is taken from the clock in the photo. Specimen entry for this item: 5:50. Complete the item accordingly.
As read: 3:12
